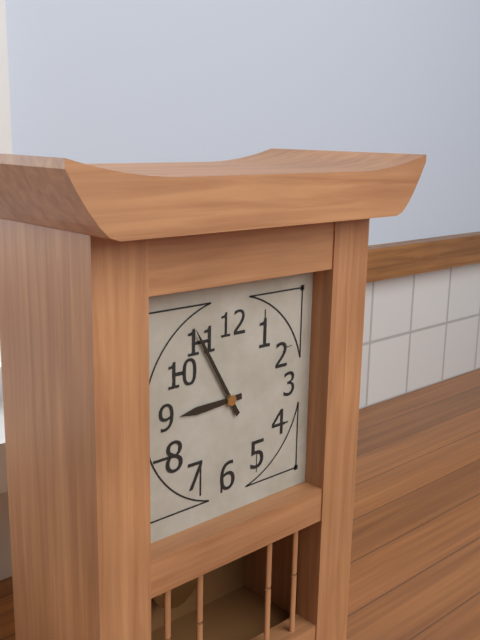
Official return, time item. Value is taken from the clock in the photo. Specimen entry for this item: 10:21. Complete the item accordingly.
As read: 8:55
